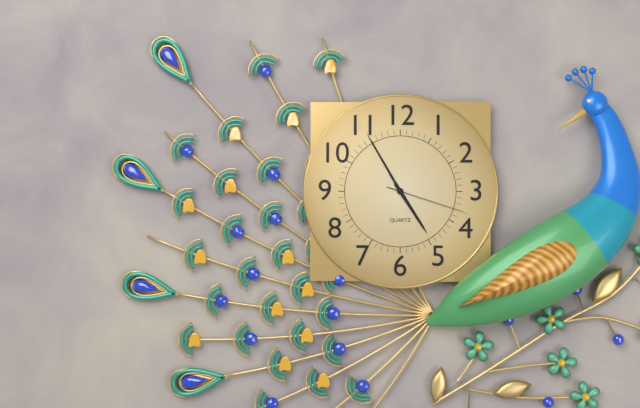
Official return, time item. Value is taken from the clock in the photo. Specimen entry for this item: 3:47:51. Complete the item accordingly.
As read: 4:55:18
